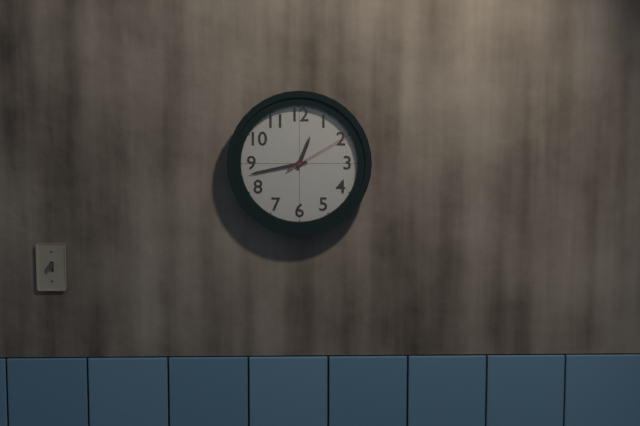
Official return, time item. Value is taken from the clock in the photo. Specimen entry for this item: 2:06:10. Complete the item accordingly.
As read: 12:43:10
